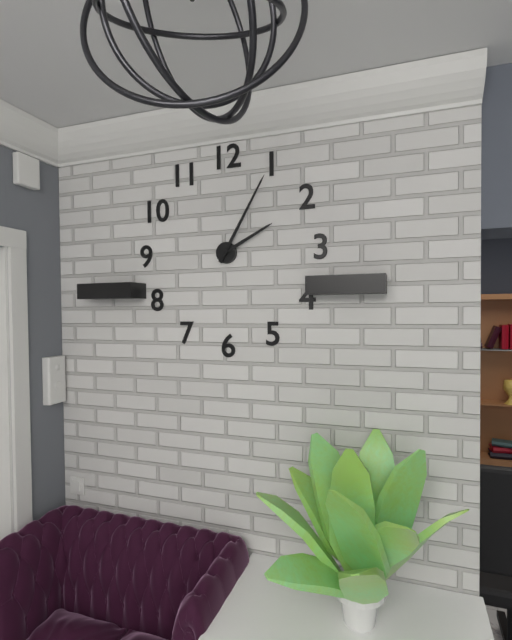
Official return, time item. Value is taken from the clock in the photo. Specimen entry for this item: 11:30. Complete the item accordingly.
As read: 2:05
